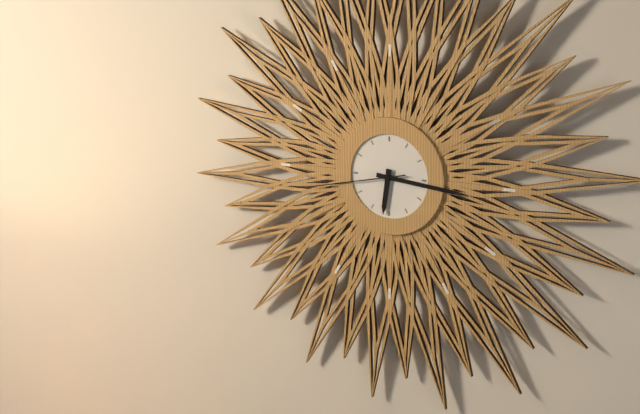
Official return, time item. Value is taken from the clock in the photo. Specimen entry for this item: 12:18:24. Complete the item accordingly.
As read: 6:16:43
